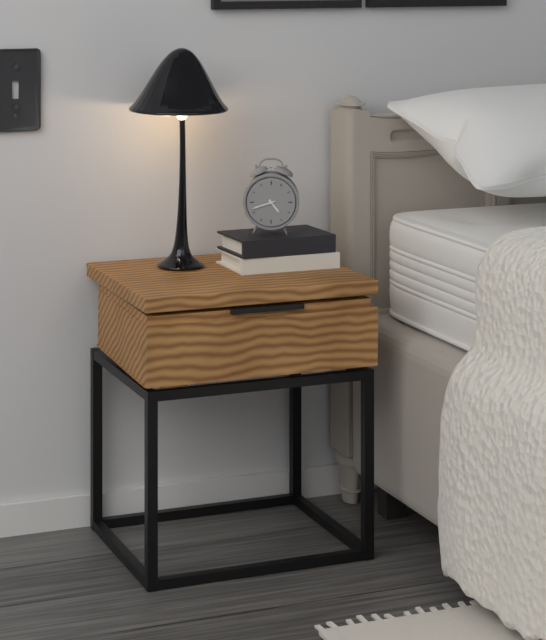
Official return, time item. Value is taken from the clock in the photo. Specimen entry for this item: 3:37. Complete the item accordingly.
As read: 4:42
